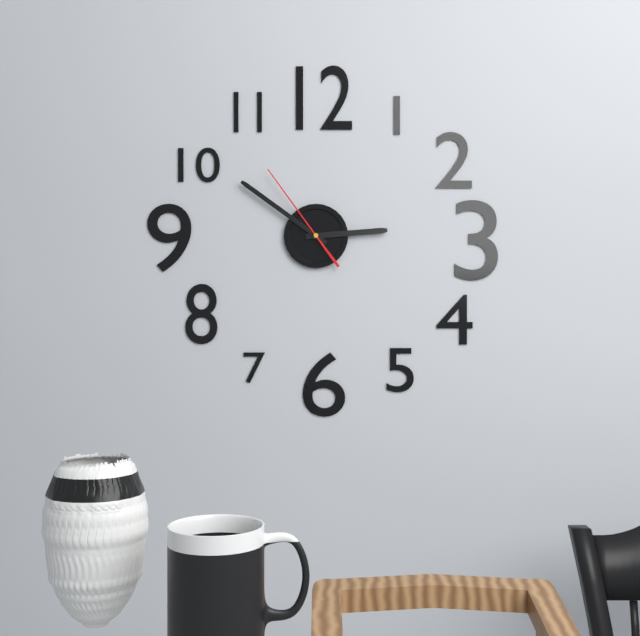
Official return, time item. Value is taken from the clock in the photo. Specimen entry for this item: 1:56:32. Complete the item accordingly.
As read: 2:51:54
